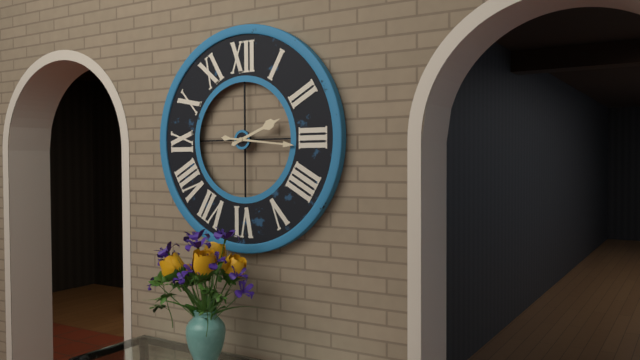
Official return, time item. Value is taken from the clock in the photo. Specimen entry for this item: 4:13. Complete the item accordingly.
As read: 2:16
